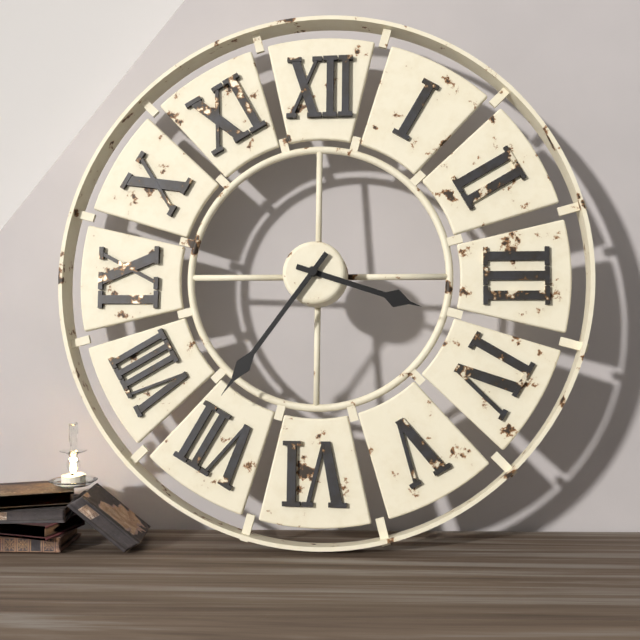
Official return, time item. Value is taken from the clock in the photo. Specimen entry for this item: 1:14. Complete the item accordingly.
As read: 3:36
